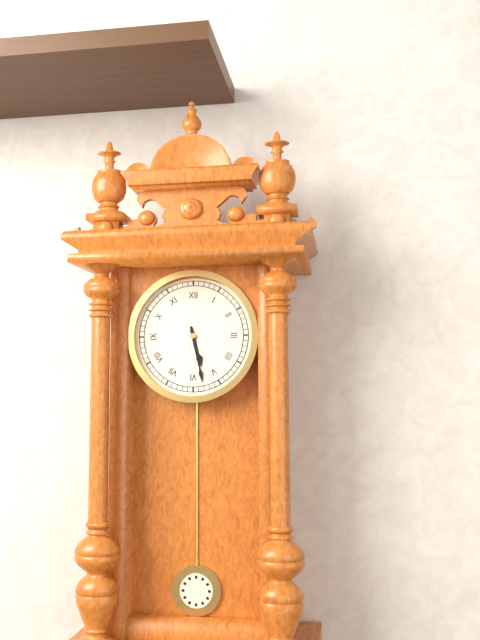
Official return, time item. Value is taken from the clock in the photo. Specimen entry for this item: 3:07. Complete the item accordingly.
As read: 5:28
